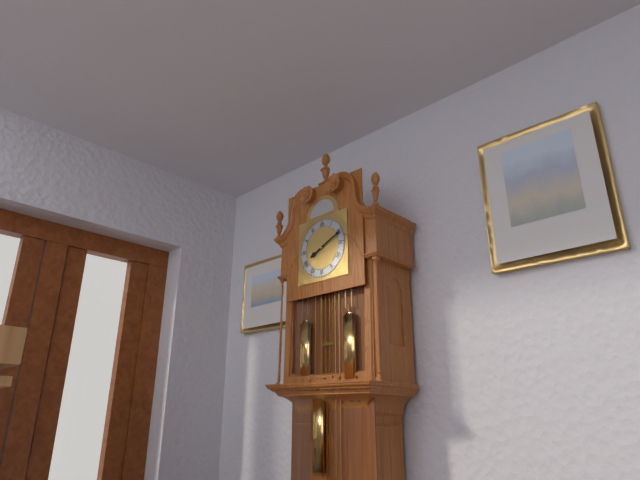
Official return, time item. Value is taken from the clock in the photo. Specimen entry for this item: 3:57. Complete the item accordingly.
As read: 8:11
